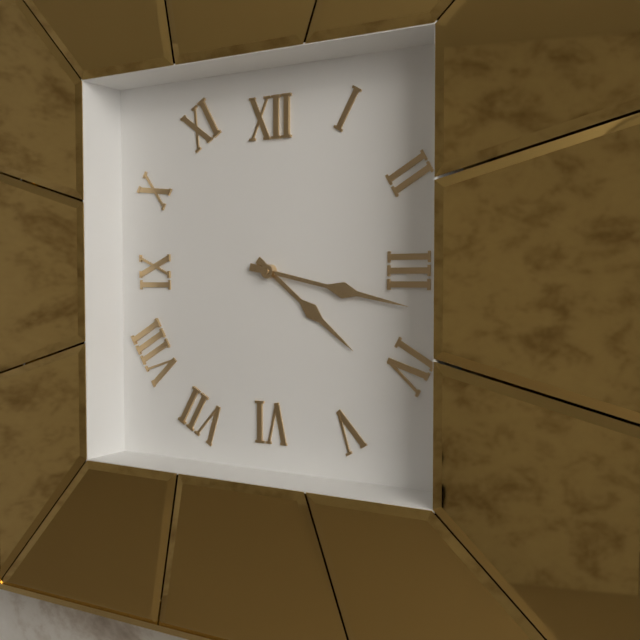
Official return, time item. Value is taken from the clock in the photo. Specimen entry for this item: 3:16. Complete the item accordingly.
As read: 4:17
